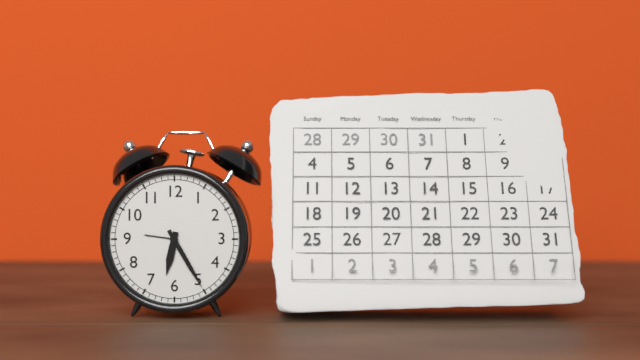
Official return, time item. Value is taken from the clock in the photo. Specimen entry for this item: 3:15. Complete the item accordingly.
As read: 6:25
